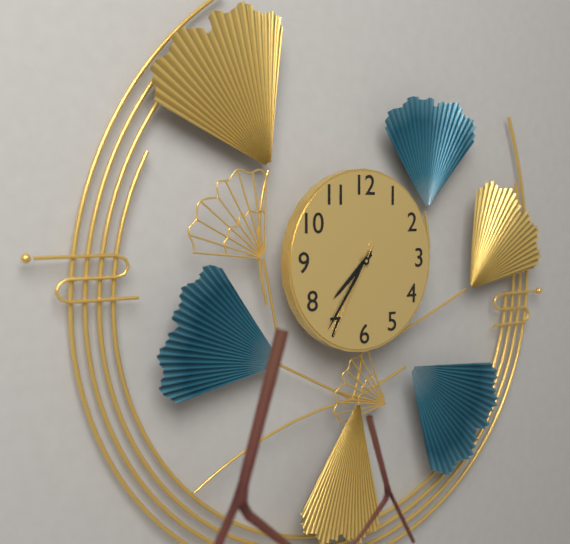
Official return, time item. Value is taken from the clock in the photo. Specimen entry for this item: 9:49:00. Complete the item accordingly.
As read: 7:36:35
